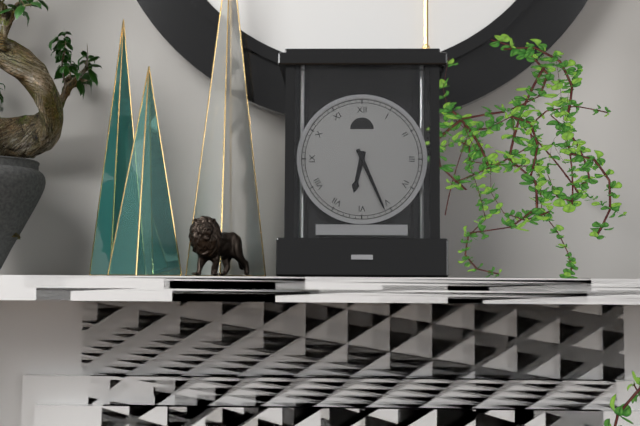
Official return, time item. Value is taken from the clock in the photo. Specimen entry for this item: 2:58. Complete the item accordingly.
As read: 6:26
